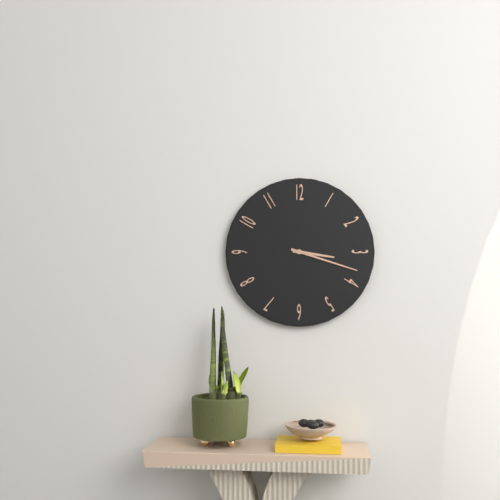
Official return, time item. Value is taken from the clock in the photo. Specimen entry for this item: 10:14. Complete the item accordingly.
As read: 3:18
